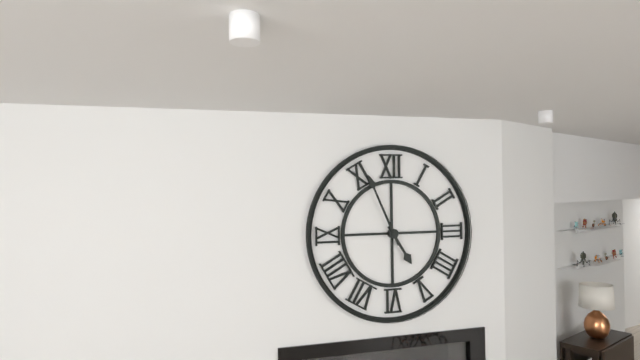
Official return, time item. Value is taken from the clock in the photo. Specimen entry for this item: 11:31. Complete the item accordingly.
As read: 4:56
